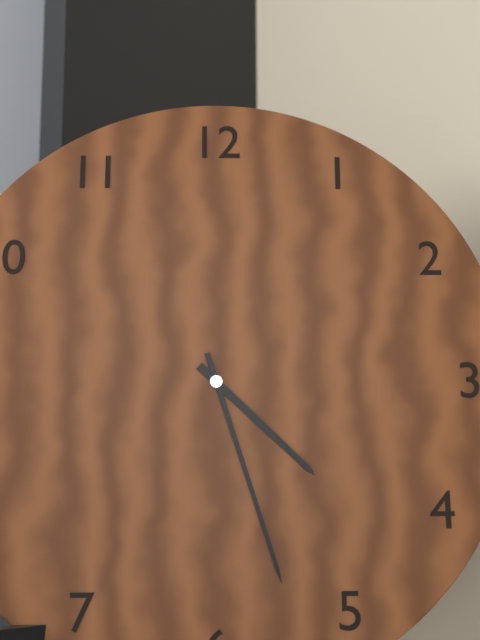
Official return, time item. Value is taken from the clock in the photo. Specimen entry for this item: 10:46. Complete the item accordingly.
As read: 4:27
